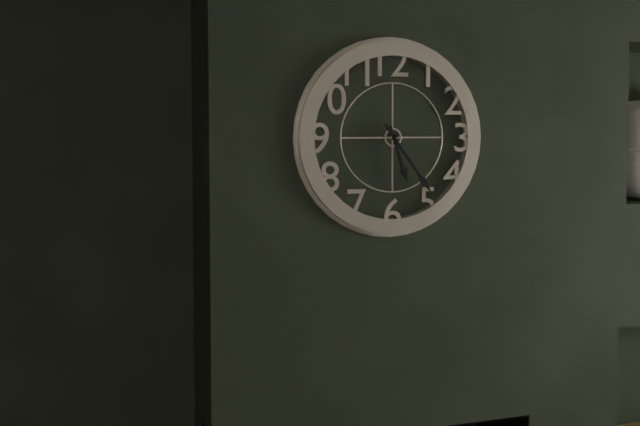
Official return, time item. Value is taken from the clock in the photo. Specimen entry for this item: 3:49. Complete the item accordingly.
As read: 5:24
